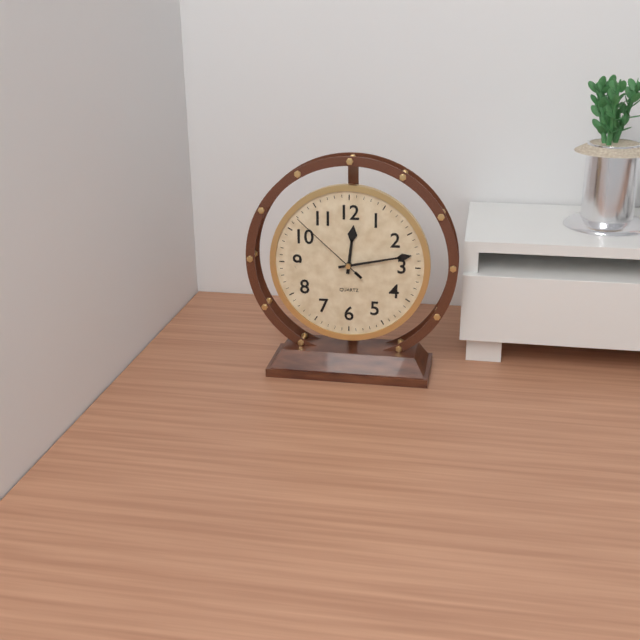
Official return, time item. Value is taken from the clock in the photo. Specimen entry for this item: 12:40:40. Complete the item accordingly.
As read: 12:13:52
